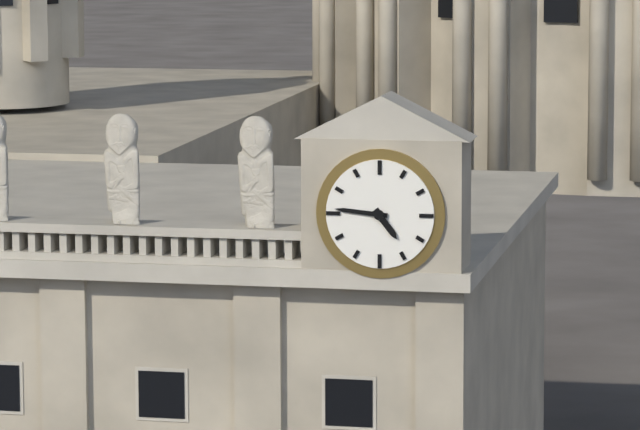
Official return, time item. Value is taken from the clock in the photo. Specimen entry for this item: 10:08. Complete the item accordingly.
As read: 4:46
